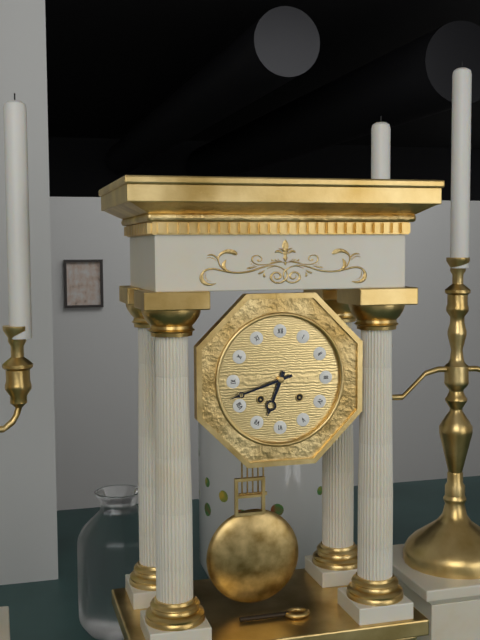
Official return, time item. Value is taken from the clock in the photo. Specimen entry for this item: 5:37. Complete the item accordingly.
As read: 6:42
